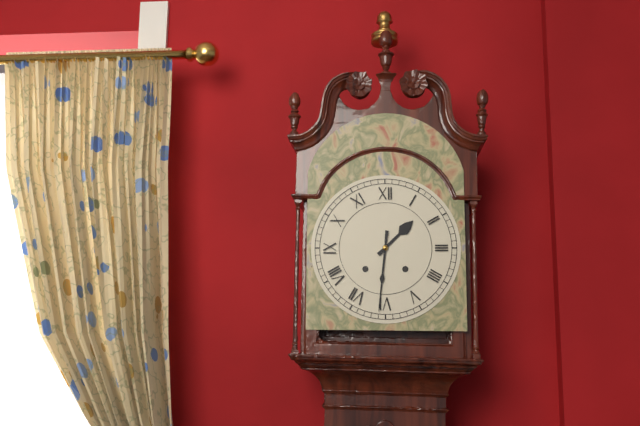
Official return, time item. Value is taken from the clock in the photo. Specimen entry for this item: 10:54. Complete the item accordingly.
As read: 1:31
